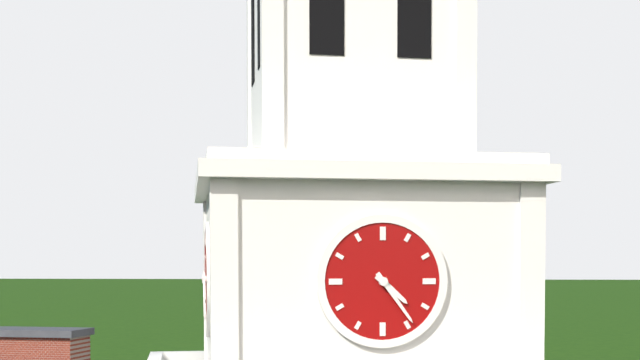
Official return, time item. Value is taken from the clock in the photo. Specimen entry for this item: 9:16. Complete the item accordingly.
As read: 4:24
